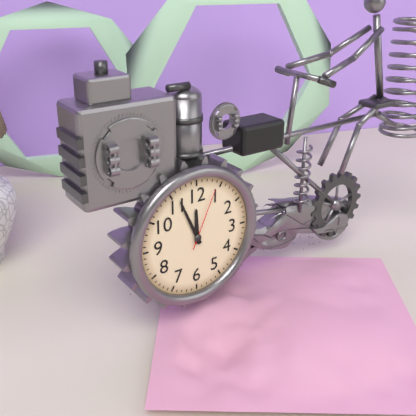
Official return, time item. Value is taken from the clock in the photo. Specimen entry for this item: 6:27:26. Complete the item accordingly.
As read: 11:56:04
